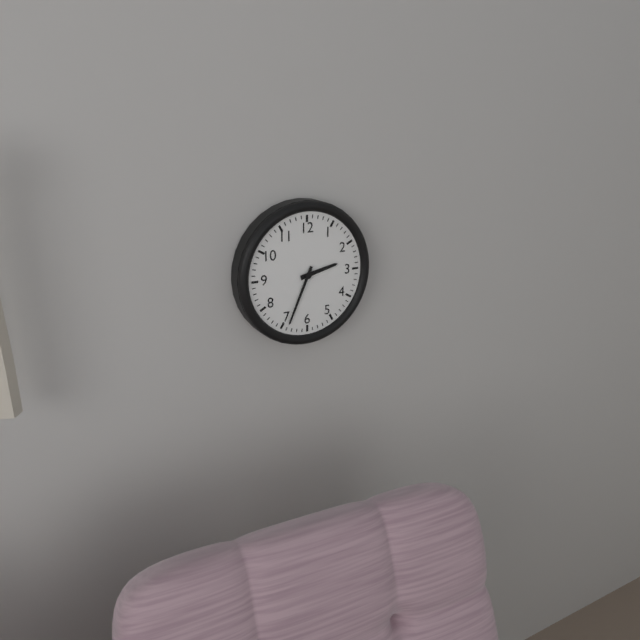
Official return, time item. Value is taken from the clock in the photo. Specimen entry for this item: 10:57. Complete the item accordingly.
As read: 2:34
